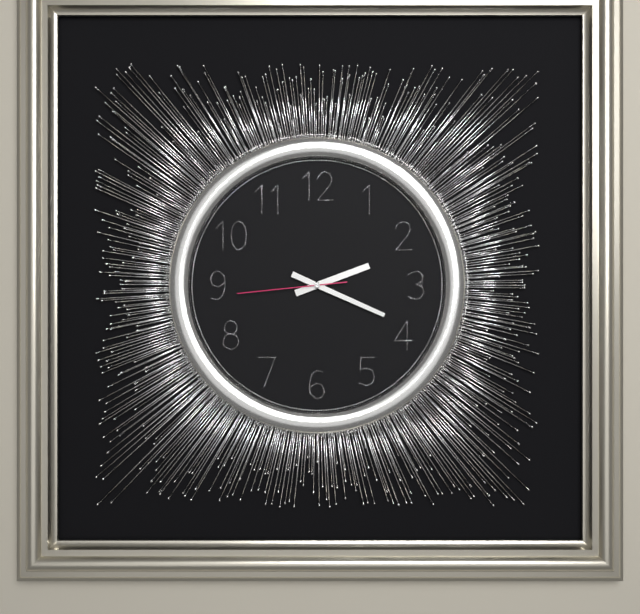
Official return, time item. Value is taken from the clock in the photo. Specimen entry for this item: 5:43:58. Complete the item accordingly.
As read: 2:19:44
